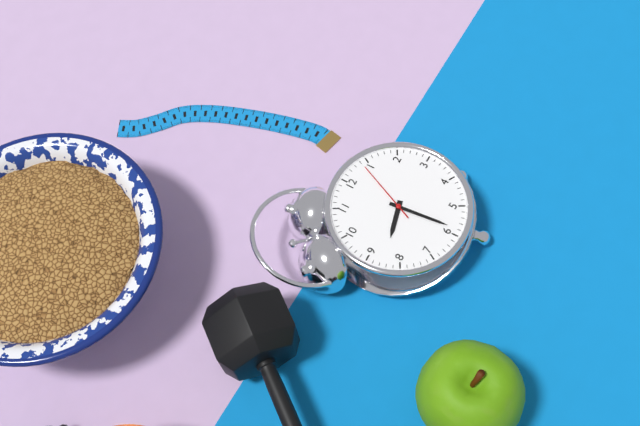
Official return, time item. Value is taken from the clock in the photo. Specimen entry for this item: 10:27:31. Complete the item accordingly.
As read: 8:29:04
